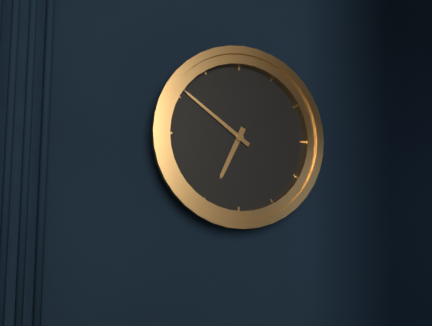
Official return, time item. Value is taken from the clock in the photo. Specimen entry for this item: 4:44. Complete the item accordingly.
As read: 6:51
